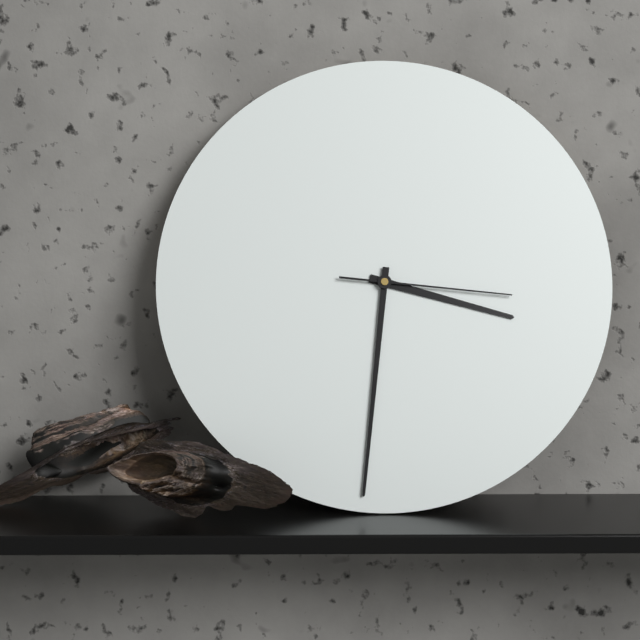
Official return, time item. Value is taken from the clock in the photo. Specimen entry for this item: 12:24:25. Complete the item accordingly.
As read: 3:31:16
